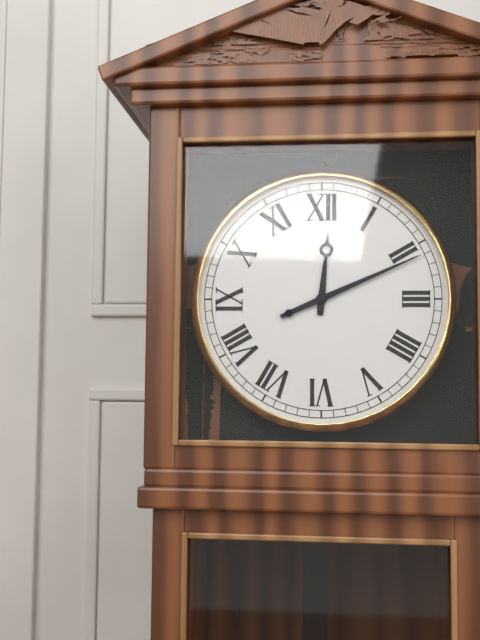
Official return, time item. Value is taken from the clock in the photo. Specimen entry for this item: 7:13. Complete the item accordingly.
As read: 12:11
